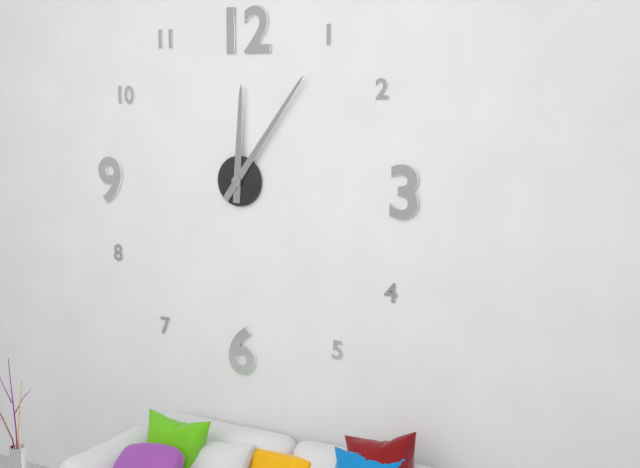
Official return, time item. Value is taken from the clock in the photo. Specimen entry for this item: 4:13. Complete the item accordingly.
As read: 12:06
